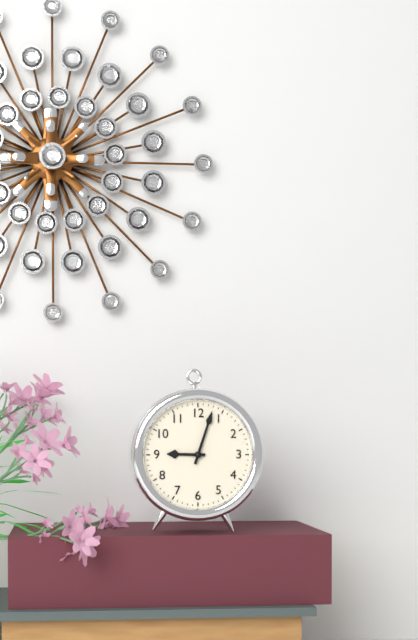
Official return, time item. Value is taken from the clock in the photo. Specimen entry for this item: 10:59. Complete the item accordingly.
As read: 9:03
